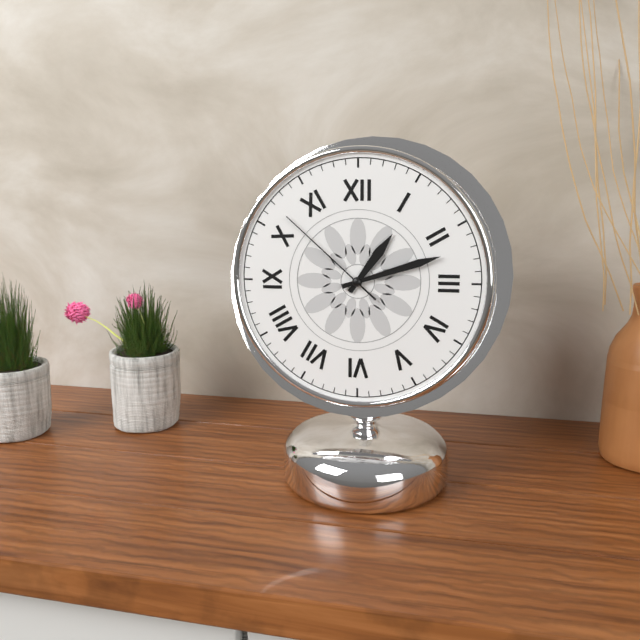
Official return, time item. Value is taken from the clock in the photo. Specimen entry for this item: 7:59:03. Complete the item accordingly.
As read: 1:12:52
